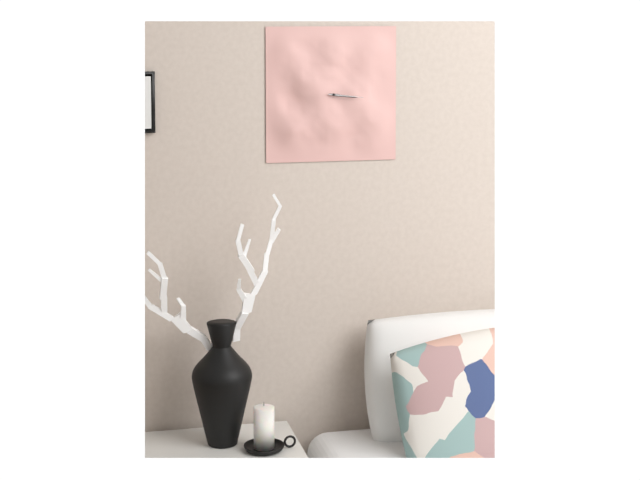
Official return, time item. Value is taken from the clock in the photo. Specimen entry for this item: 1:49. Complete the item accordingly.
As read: 3:16
